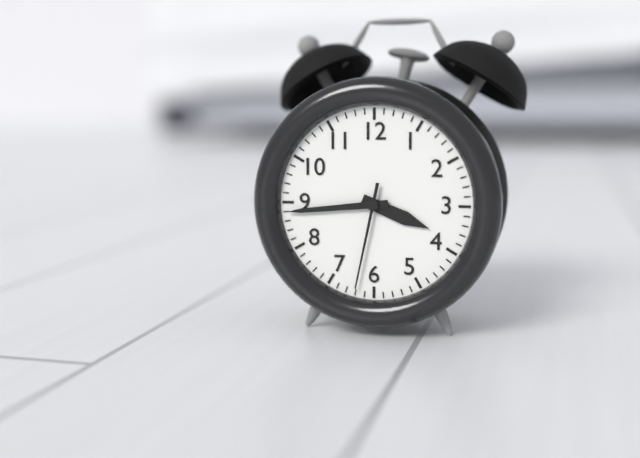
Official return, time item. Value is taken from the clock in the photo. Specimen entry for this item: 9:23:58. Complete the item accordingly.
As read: 3:44:32
